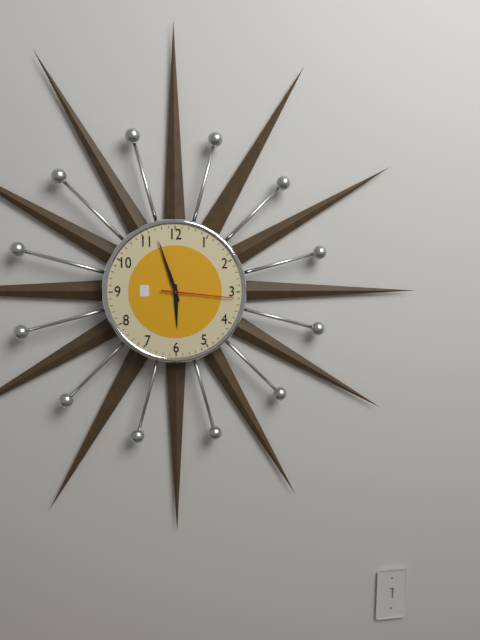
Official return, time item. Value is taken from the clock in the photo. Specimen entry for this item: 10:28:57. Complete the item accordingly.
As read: 5:57:16
